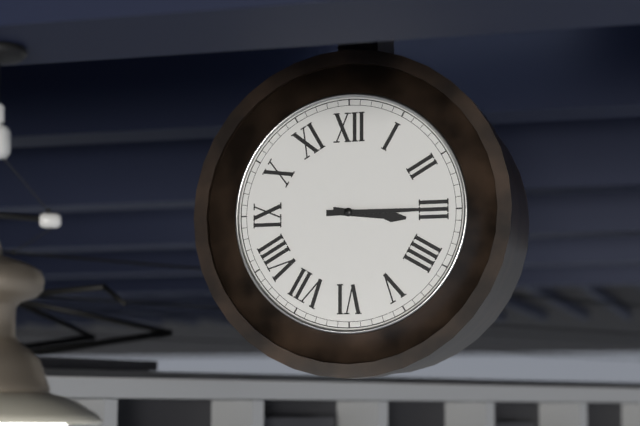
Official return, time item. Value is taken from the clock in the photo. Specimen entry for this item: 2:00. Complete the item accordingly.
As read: 3:15
